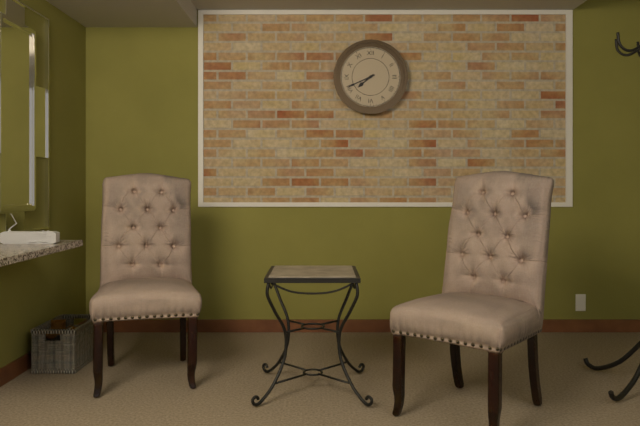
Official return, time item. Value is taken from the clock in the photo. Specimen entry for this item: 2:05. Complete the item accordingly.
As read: 7:41
